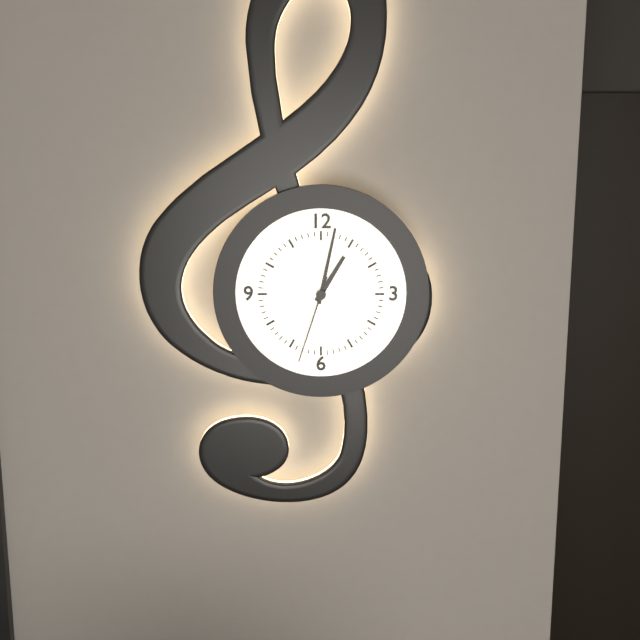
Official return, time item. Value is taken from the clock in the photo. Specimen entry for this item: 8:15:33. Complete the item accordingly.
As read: 1:02:33
